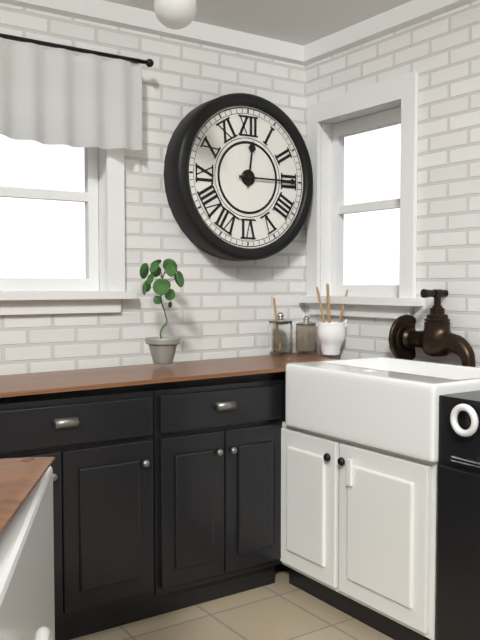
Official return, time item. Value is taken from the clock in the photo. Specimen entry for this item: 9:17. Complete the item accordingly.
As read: 12:15
